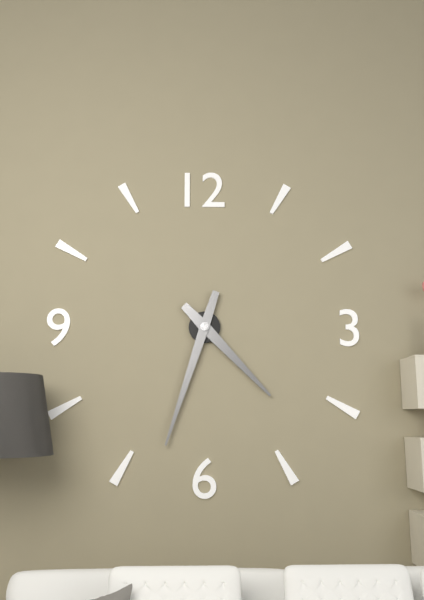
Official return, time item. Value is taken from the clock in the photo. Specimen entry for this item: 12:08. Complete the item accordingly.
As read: 4:33
